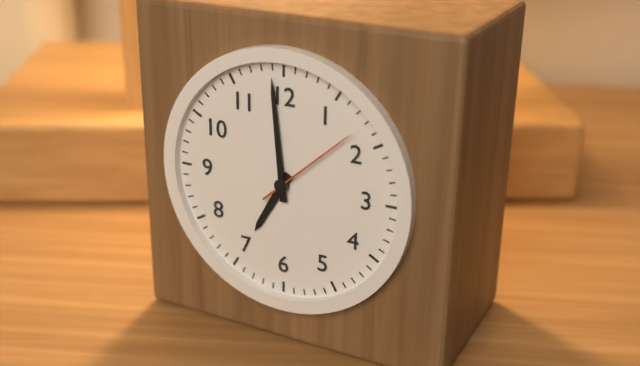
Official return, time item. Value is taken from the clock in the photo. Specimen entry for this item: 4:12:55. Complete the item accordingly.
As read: 6:59:08
